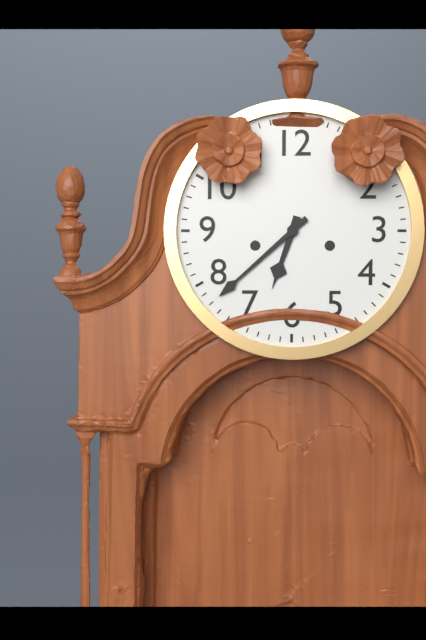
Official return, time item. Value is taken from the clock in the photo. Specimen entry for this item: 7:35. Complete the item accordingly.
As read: 6:38
